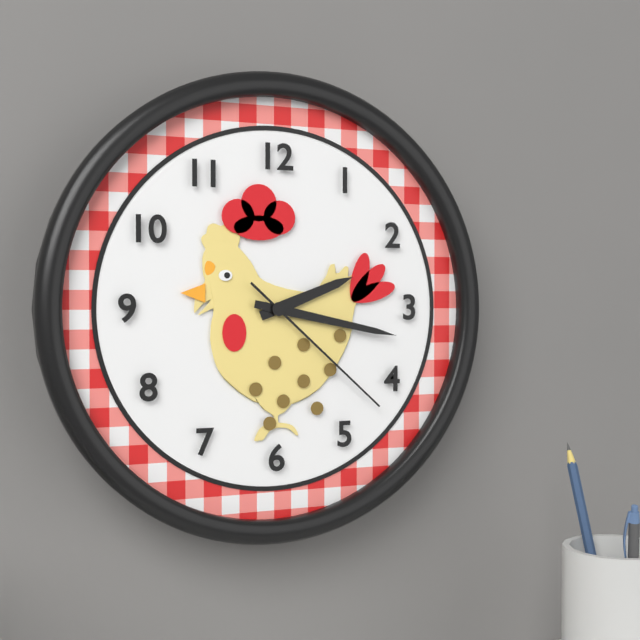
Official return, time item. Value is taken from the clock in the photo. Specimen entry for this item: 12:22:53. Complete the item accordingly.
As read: 2:17:22
